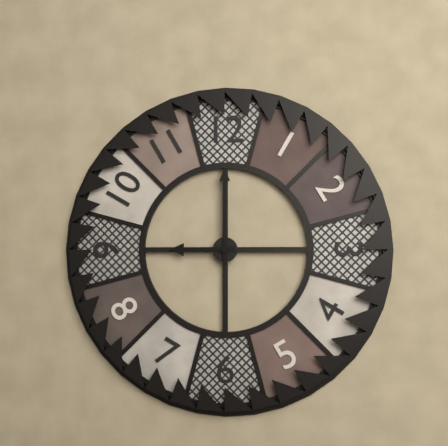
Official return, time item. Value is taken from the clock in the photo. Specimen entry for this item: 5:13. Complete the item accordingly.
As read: 9:00
